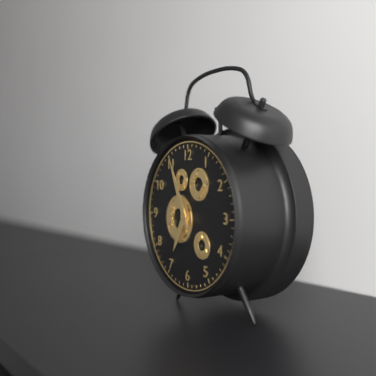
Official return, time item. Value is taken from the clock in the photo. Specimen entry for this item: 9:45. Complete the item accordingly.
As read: 6:56
